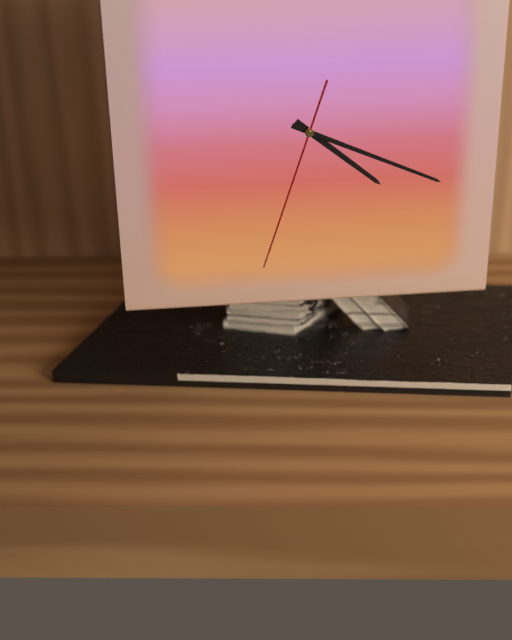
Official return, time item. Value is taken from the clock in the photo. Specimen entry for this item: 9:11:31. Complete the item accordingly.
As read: 4:19:33
